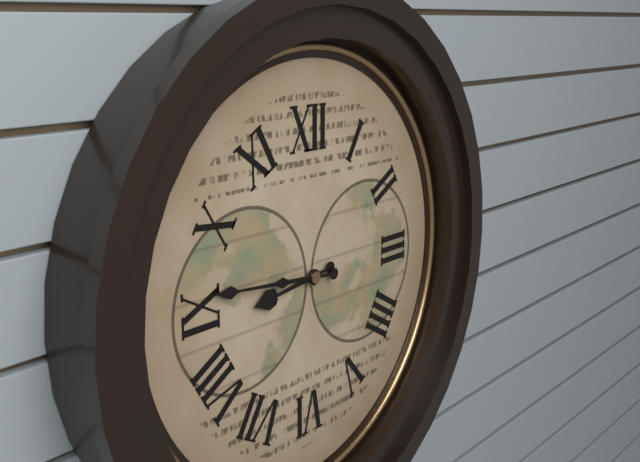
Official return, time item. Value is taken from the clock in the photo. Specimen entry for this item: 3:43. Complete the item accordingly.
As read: 8:46
